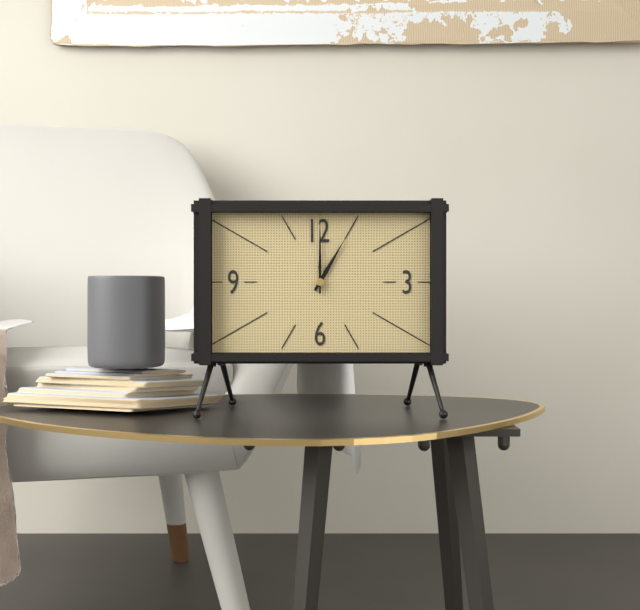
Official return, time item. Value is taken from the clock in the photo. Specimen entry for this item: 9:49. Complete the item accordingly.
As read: 1:00
